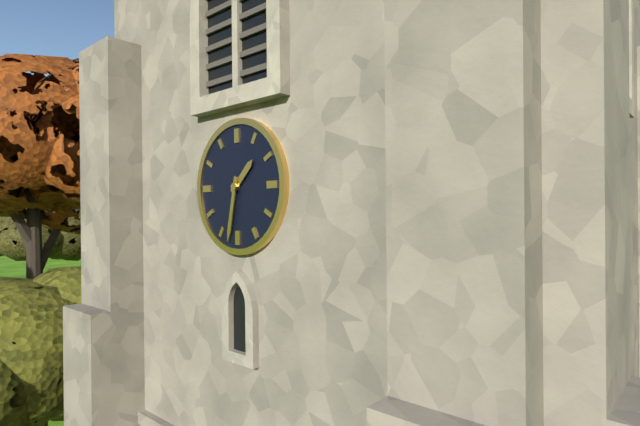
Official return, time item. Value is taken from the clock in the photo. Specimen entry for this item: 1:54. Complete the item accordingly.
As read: 1:32
